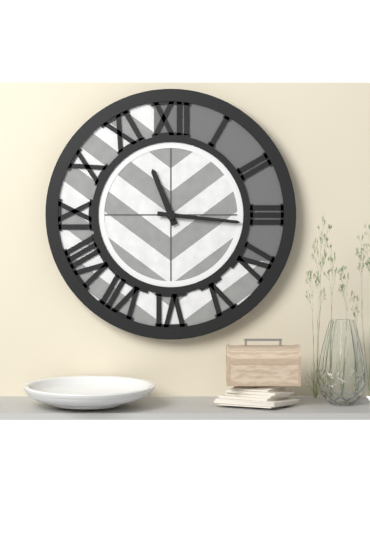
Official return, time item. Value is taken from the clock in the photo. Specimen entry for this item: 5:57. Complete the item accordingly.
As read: 11:16
